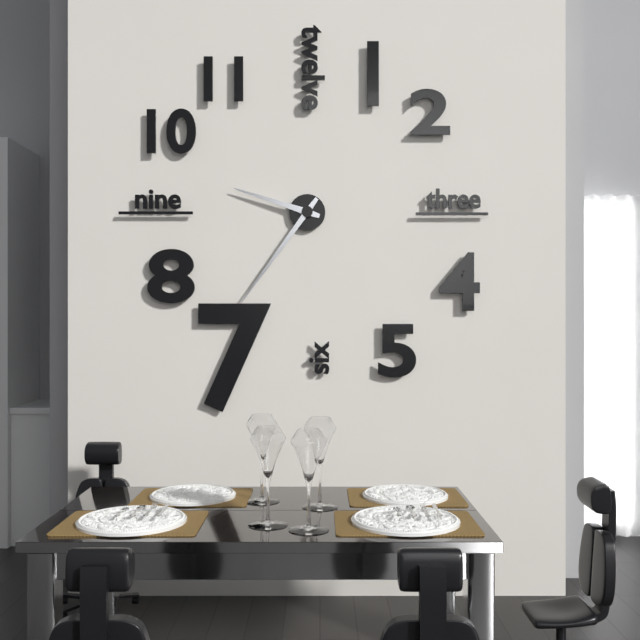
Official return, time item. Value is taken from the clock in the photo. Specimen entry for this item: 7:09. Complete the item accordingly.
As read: 9:36
